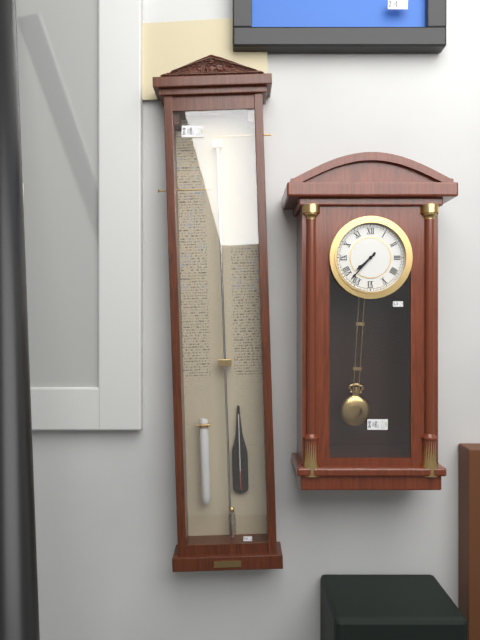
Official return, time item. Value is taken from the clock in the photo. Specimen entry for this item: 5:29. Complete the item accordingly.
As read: 7:37
